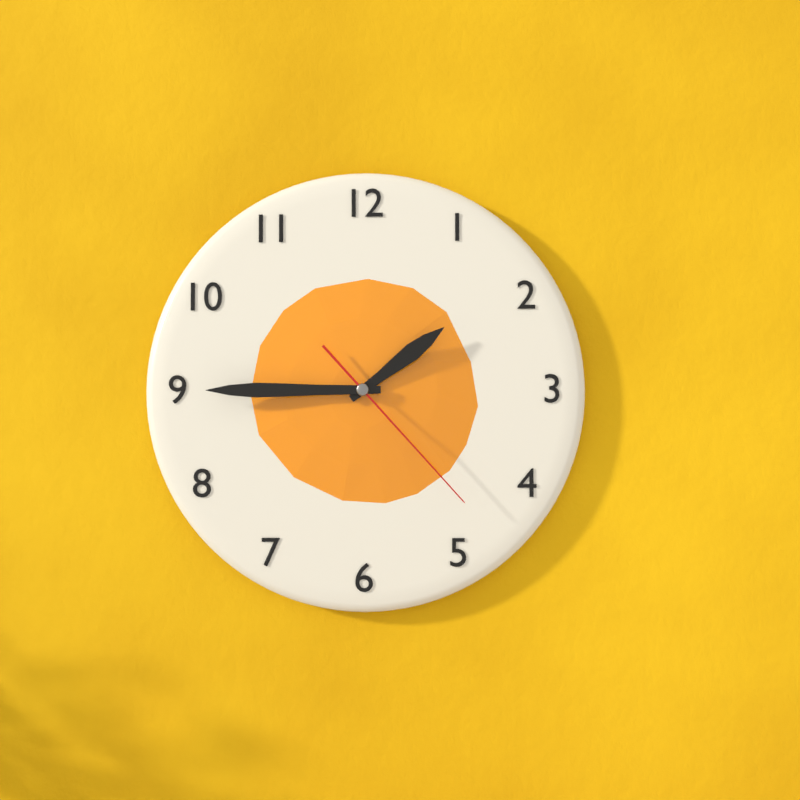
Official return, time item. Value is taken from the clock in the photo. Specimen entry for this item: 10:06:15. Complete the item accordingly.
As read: 1:45:23
